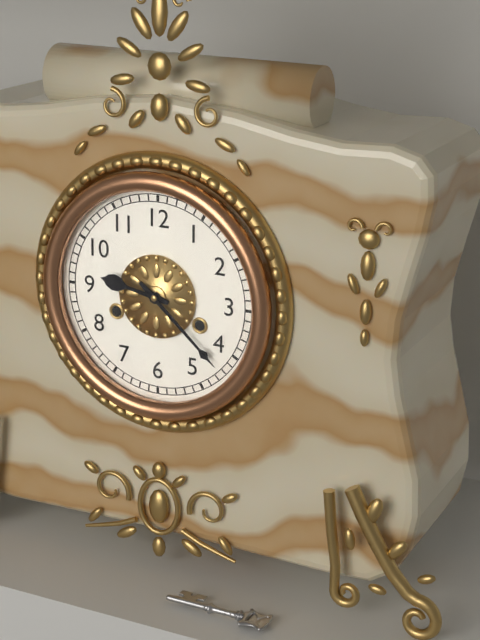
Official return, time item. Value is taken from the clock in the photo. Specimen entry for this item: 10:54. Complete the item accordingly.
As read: 9:22
